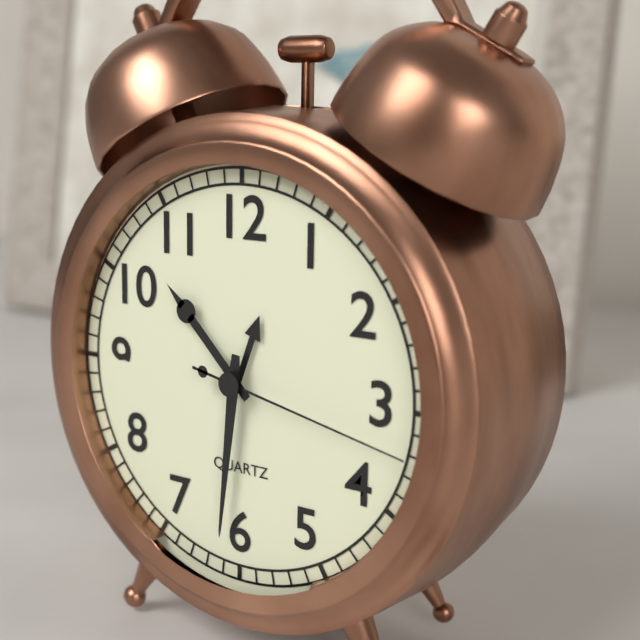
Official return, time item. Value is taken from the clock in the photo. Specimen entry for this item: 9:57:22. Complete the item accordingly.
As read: 10:31:17
